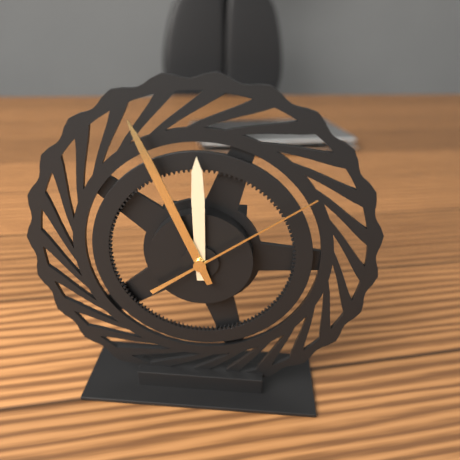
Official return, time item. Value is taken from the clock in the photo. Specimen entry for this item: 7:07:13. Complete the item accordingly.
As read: 11:56:09
